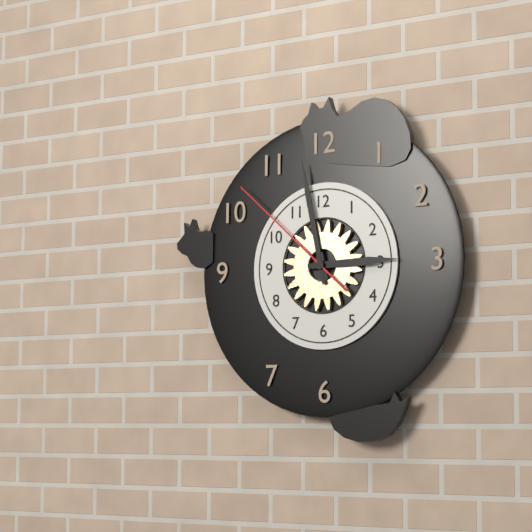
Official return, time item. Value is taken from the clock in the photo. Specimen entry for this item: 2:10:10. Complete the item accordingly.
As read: 2:58:52
